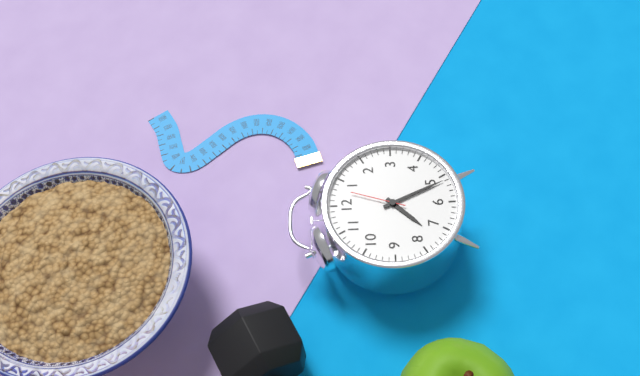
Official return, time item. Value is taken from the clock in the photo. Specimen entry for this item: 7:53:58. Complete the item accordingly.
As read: 7:26:03
